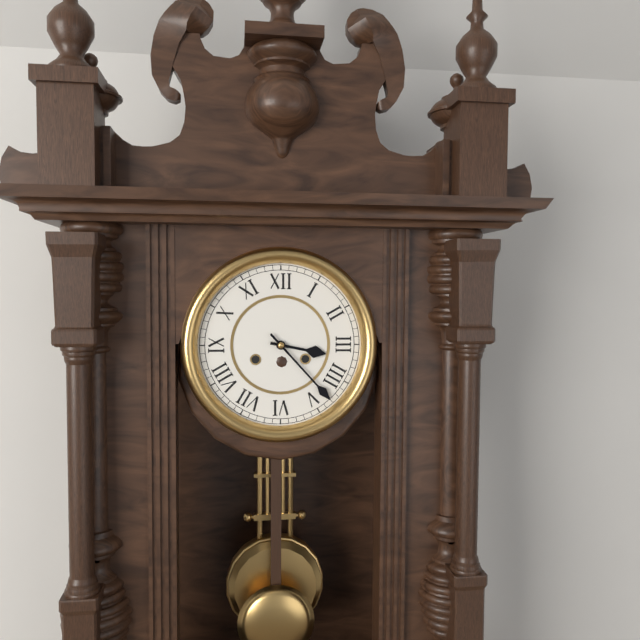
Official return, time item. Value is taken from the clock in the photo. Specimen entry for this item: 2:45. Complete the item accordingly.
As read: 3:23
